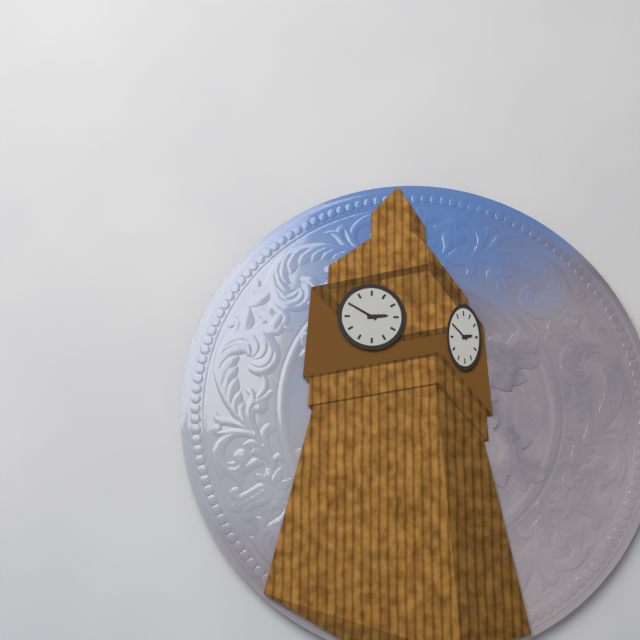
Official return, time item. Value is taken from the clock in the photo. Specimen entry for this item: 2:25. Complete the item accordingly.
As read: 2:50
